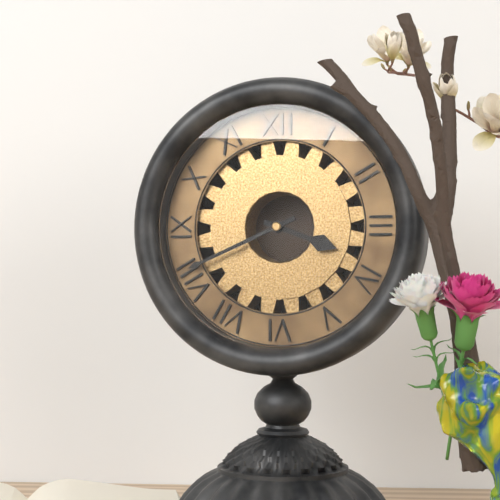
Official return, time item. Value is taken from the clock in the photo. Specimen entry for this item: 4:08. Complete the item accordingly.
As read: 3:41
